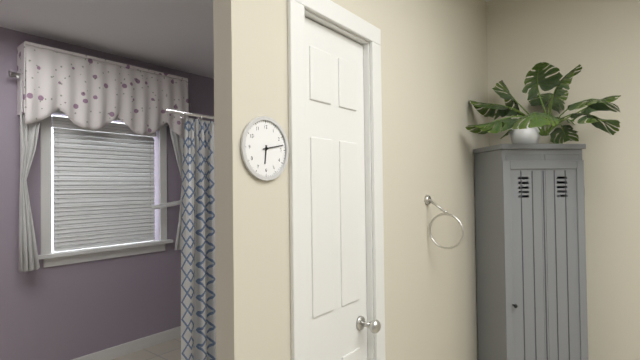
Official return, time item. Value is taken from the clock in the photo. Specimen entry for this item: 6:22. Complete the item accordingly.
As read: 6:13
